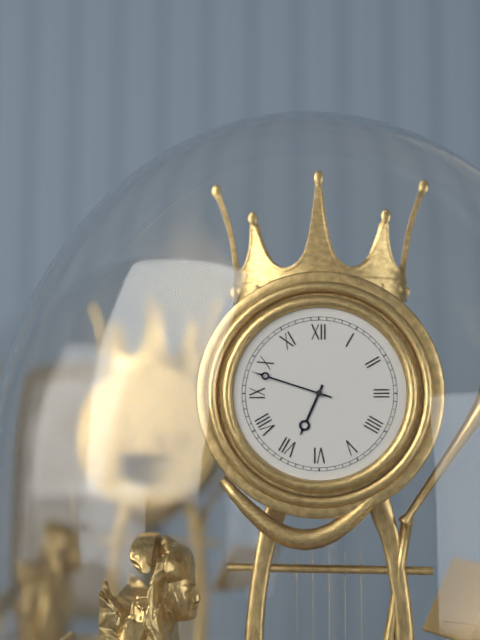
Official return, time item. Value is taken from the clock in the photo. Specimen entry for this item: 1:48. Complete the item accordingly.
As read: 6:48
